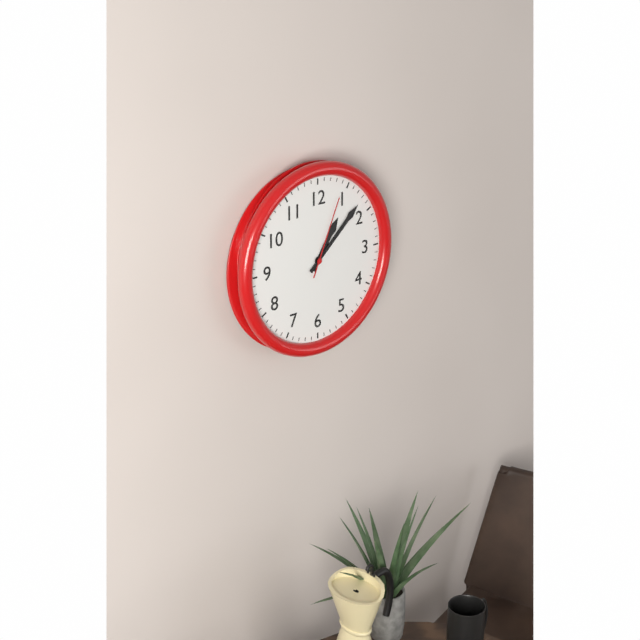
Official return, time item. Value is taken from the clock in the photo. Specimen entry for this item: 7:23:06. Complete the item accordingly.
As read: 1:08:04
